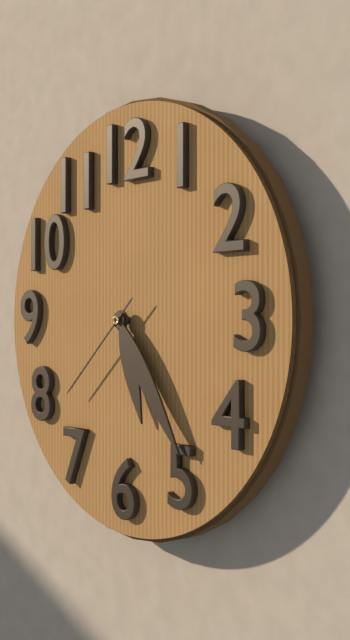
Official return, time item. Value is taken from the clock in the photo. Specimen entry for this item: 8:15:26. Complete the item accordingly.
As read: 5:24:38
